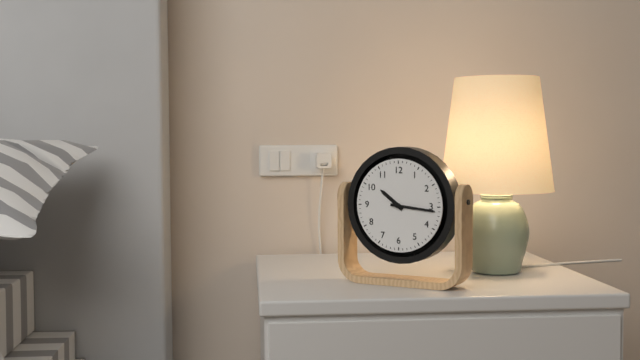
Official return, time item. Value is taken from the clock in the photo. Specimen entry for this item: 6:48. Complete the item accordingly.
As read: 10:16
